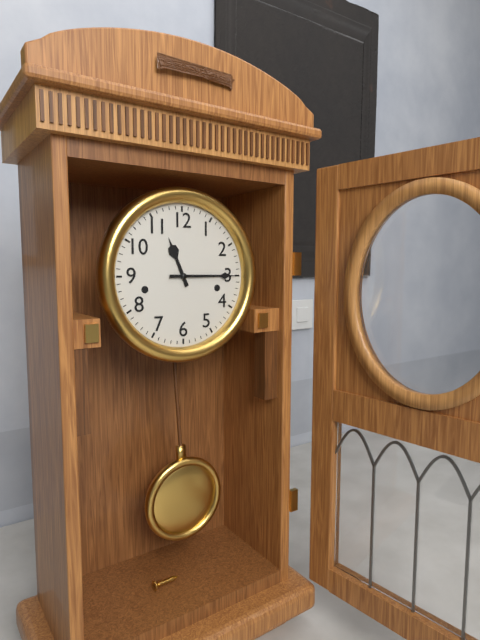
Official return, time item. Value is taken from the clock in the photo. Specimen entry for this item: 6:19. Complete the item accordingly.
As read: 11:15
